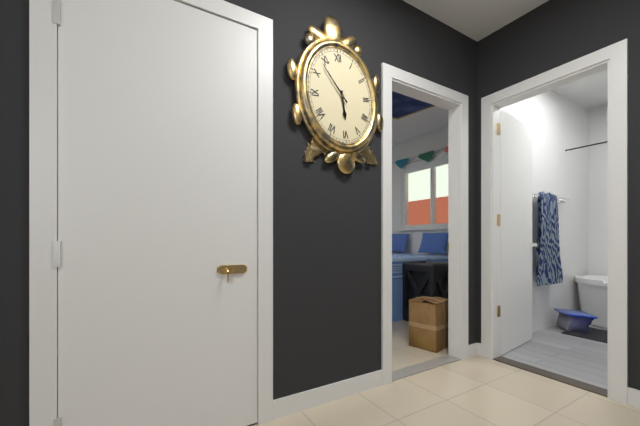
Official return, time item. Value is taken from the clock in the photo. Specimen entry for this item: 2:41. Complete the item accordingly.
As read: 5:54
